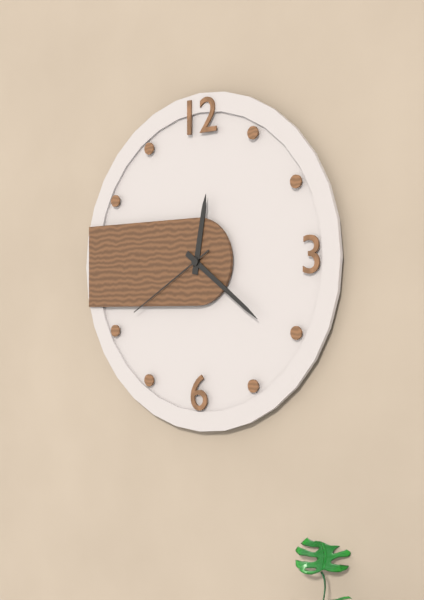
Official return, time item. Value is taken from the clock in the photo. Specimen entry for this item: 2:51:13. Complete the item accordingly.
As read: 12:21:40
